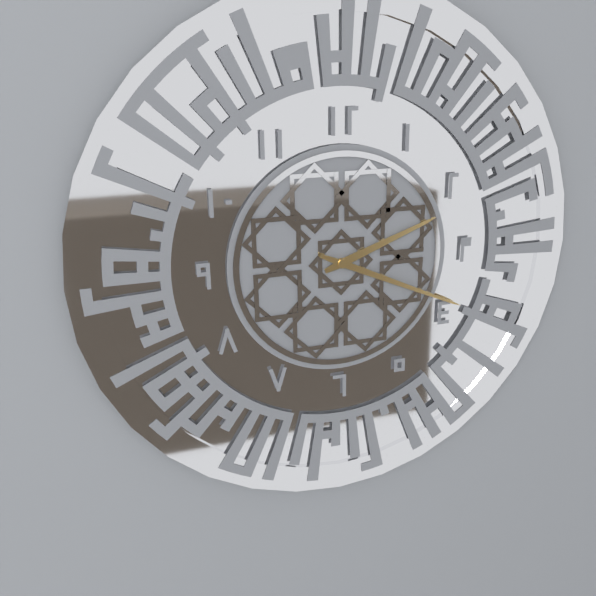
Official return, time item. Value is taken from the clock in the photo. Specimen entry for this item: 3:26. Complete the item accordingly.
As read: 2:19
